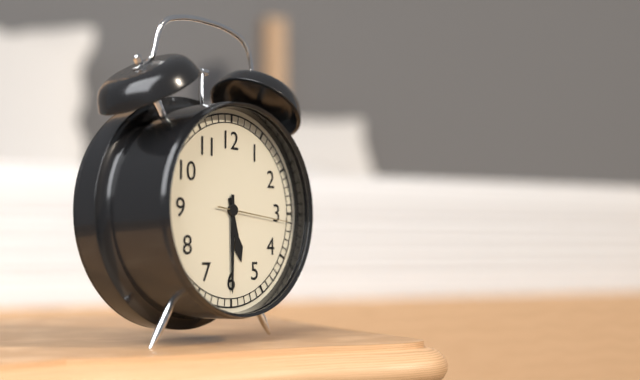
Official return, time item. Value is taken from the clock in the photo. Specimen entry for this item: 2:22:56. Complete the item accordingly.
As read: 5:30:16
